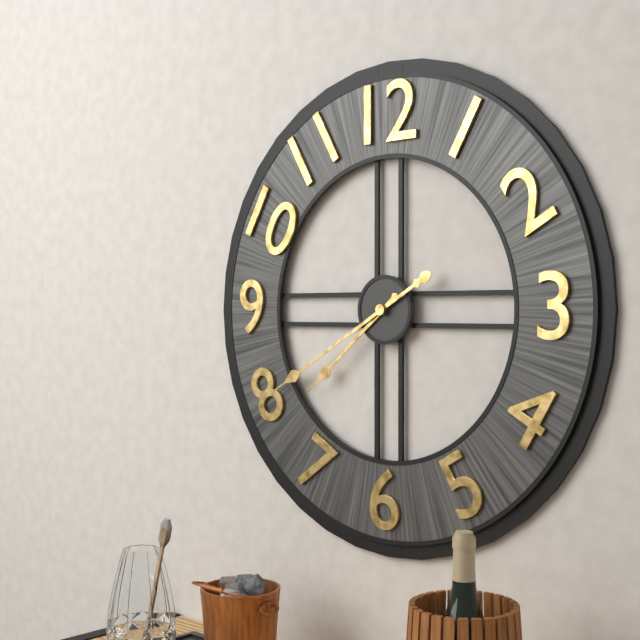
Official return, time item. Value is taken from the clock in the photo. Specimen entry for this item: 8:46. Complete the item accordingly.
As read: 7:40
